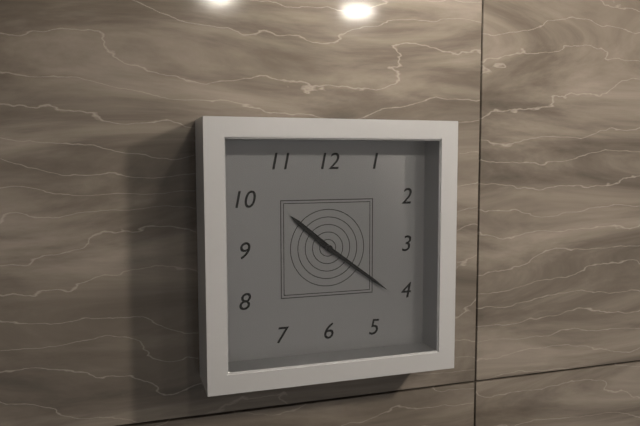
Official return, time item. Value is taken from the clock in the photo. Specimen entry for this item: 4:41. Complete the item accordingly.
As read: 10:21
